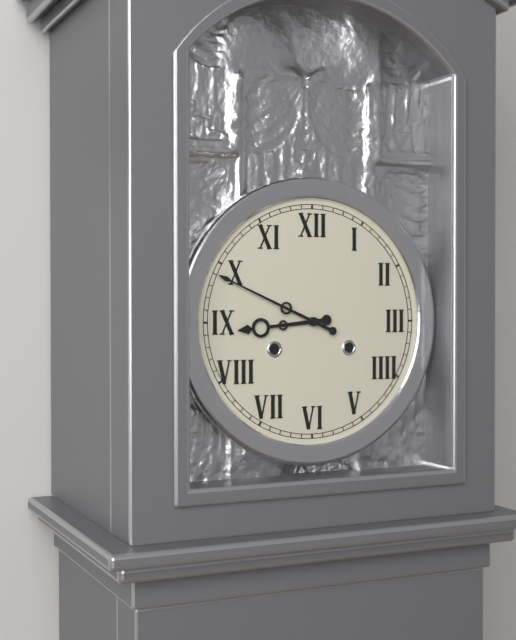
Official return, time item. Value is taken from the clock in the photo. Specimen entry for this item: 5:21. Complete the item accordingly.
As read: 8:49
